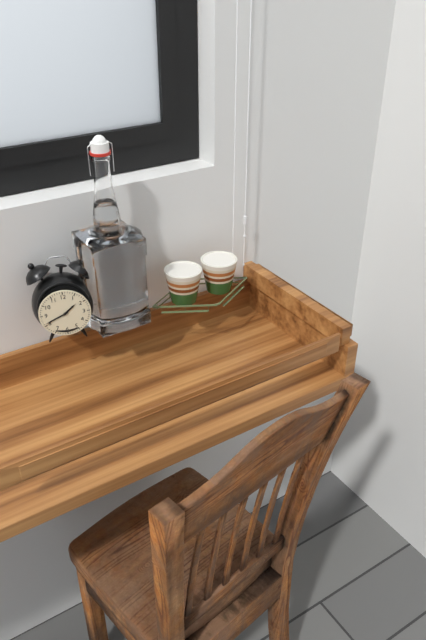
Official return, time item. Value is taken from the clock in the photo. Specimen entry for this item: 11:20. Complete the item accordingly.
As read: 1:41
